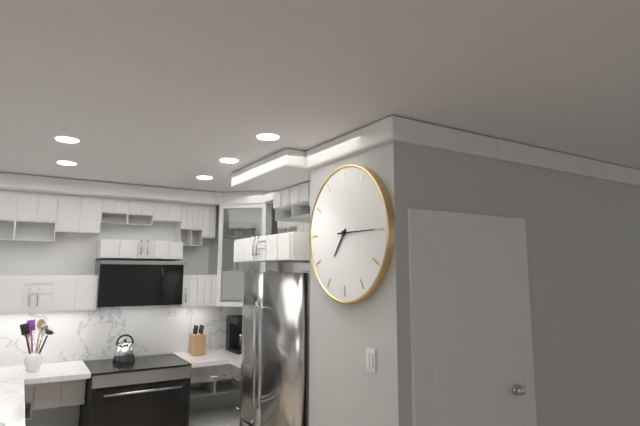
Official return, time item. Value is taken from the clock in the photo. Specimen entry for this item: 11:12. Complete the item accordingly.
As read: 7:15
